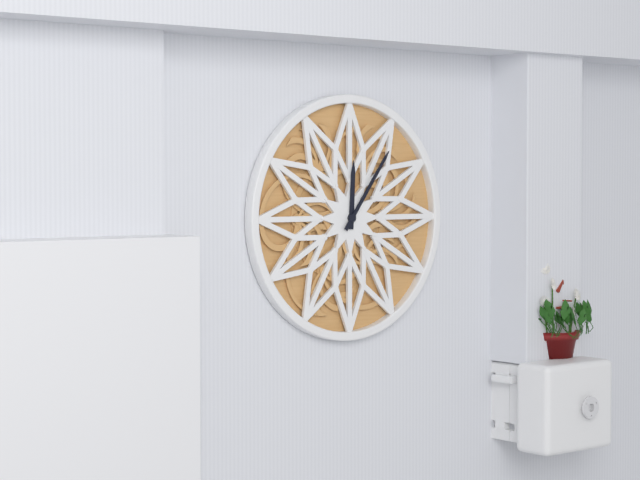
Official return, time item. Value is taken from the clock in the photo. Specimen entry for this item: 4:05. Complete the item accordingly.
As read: 12:06
